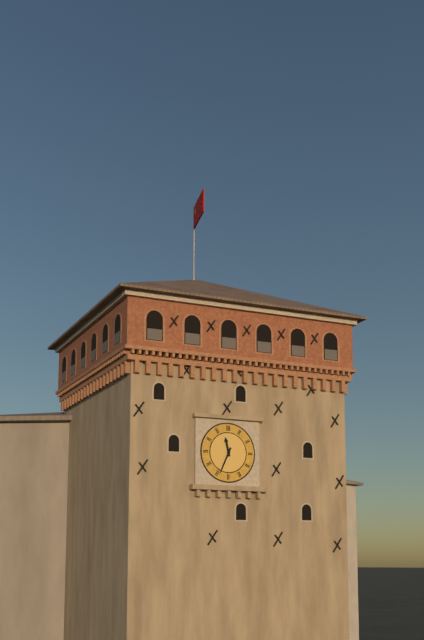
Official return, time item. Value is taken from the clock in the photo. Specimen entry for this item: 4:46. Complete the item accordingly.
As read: 11:34
